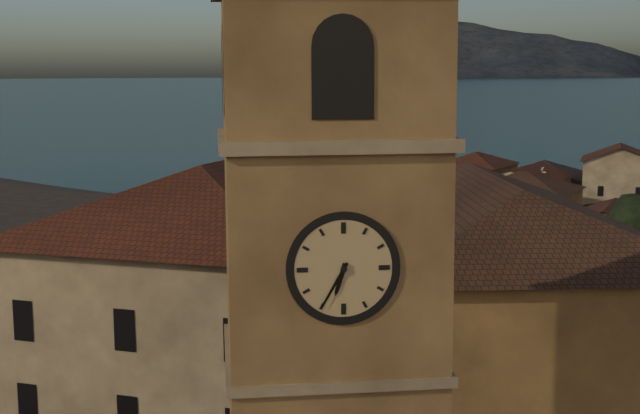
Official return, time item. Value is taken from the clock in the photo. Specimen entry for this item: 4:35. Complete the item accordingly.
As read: 6:35
